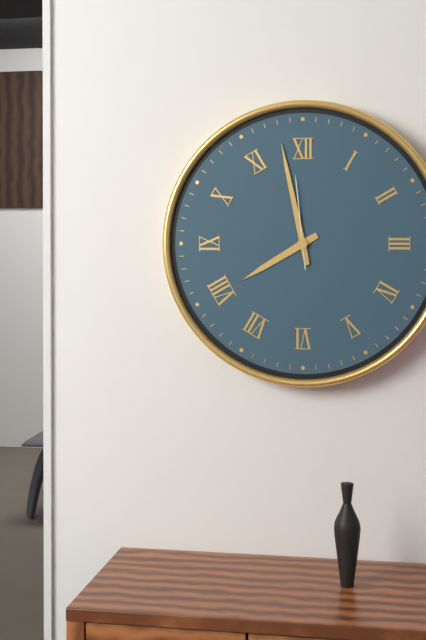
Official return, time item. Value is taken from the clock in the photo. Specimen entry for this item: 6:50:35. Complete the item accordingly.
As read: 7:58:59
